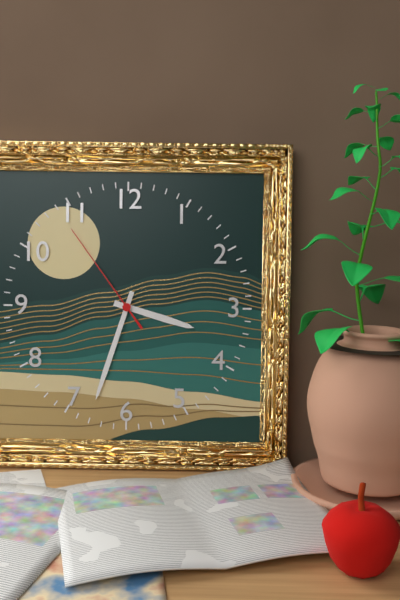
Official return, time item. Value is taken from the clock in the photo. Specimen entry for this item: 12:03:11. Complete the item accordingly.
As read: 3:33:54
